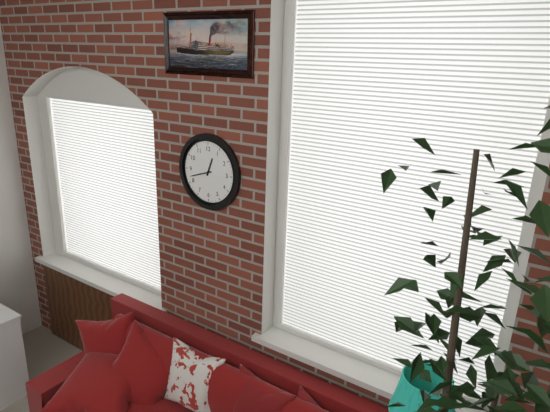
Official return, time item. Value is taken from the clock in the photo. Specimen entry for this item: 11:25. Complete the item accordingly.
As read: 12:42
